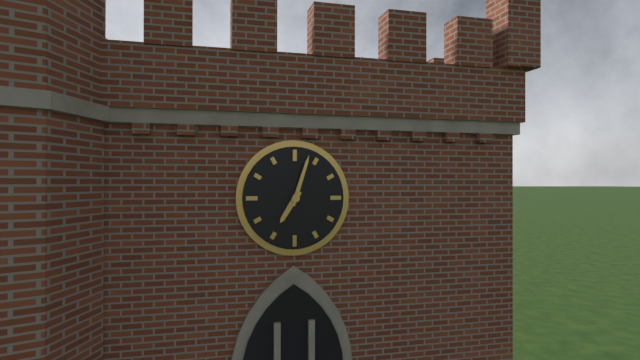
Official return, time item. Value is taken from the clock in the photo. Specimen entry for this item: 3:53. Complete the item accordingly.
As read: 7:03
